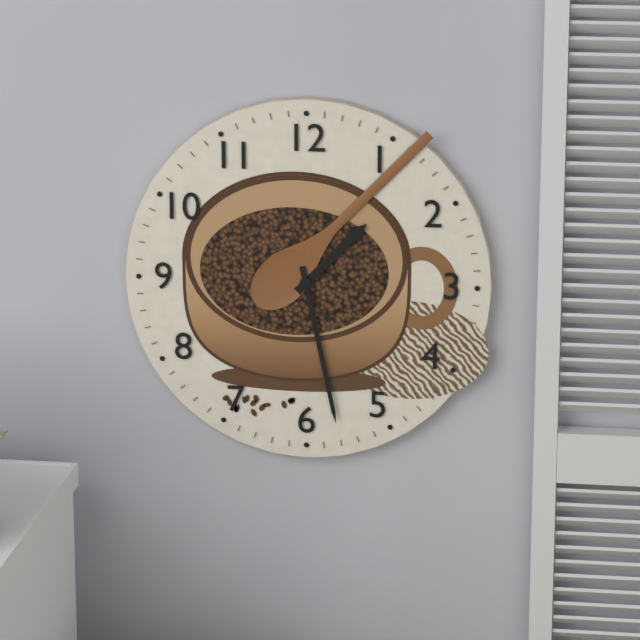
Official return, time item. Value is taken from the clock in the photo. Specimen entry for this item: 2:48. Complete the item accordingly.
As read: 1:28
